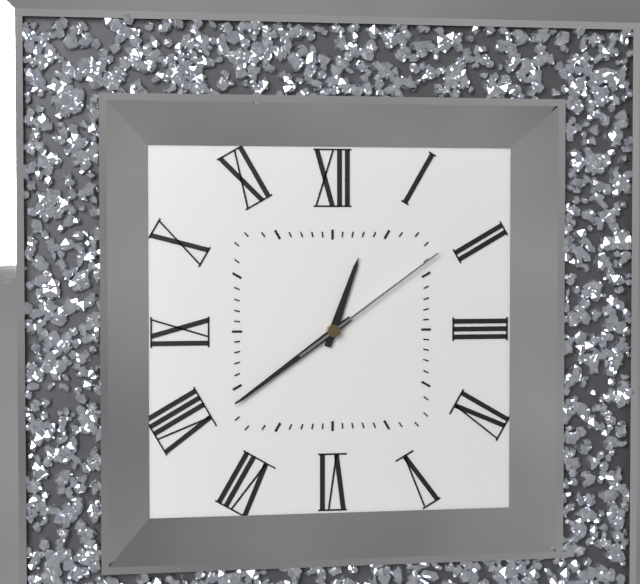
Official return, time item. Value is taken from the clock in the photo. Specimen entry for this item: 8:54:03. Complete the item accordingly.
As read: 12:39:09
